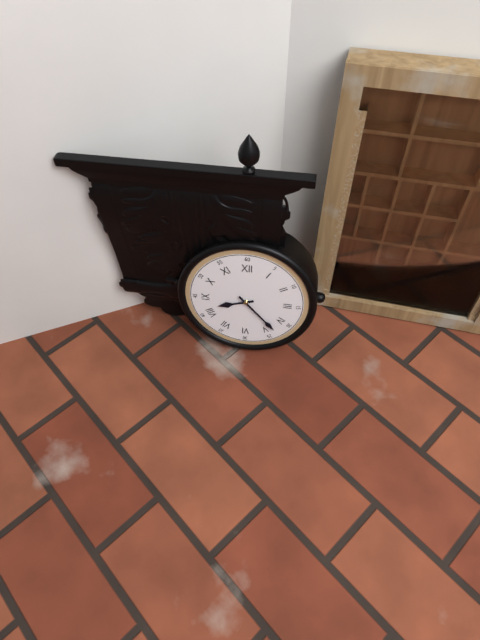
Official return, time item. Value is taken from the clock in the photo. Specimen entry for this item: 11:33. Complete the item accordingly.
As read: 8:23
